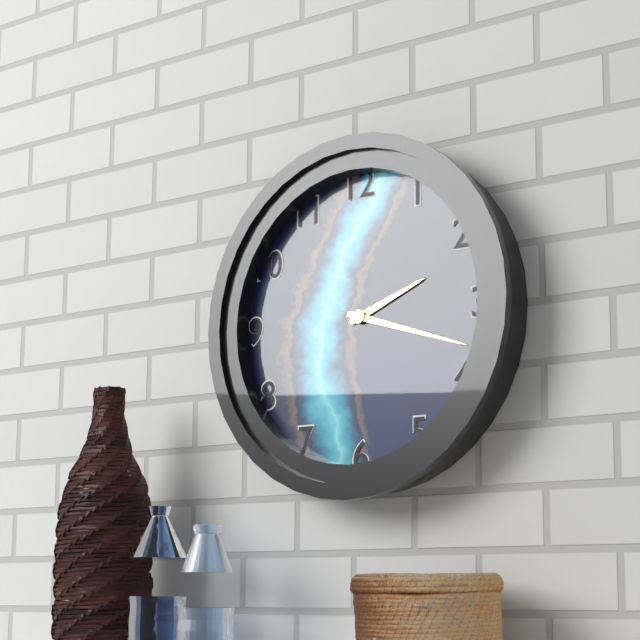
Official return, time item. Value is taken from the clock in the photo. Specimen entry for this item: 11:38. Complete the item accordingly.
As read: 2:18
